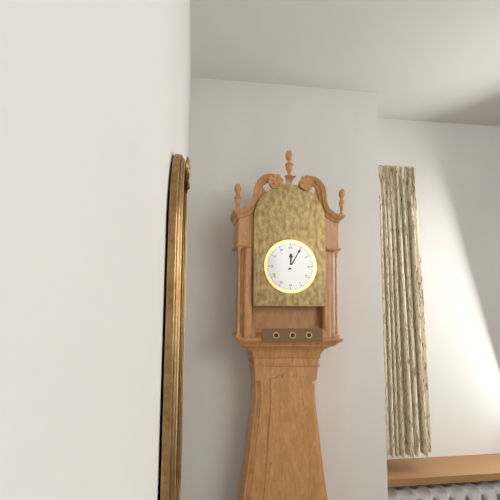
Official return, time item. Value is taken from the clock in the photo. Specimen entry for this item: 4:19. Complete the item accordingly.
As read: 12:05
